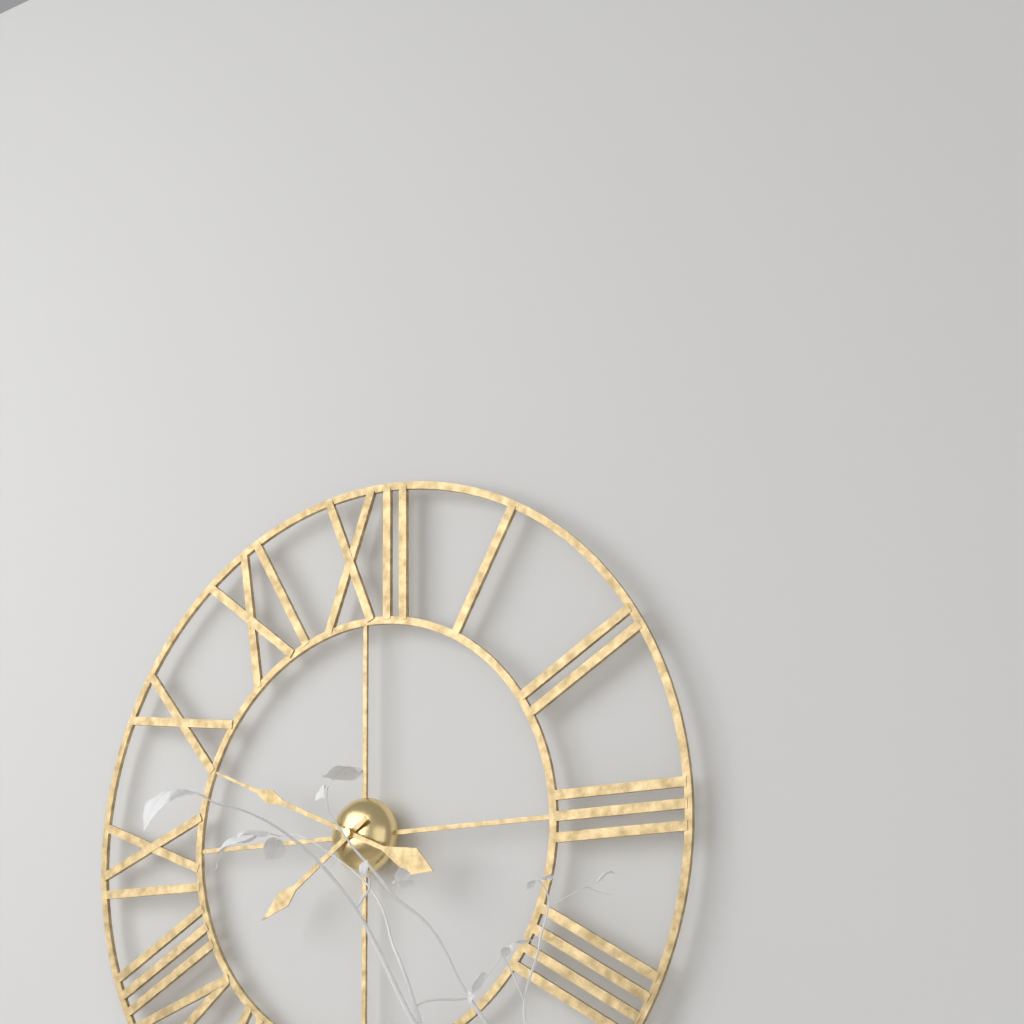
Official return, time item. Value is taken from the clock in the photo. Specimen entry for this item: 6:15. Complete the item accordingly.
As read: 7:49
